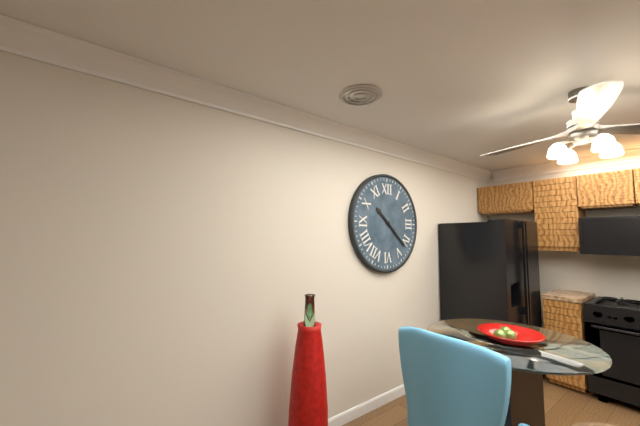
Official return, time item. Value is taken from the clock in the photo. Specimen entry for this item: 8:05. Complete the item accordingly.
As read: 10:22
